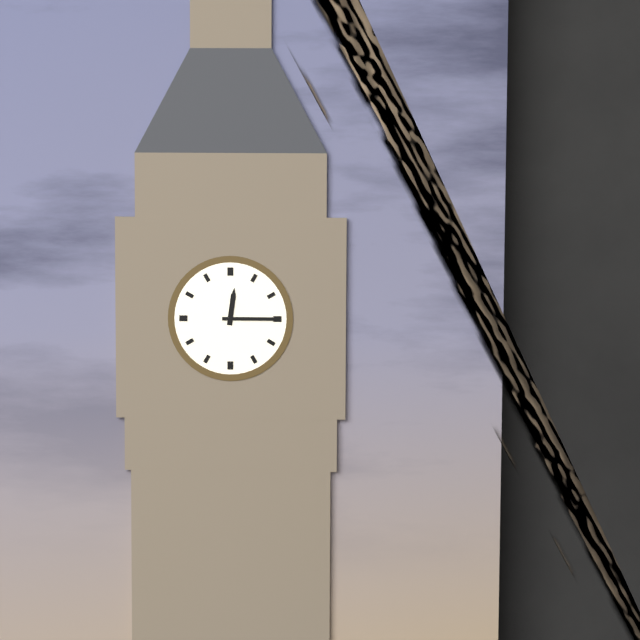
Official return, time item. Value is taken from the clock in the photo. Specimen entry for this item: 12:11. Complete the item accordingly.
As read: 12:15
